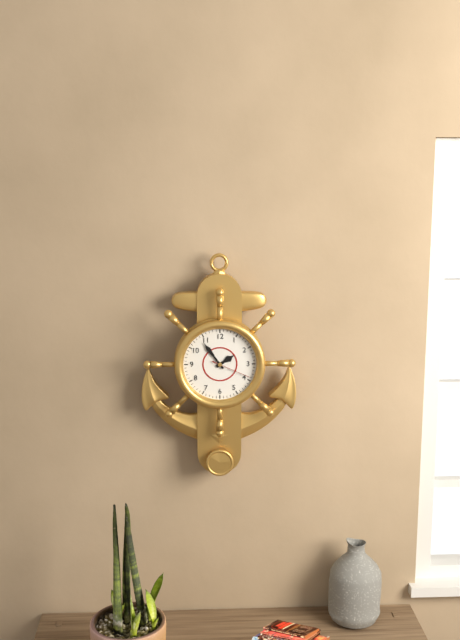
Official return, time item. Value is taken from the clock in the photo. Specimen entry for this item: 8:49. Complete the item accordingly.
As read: 1:54
